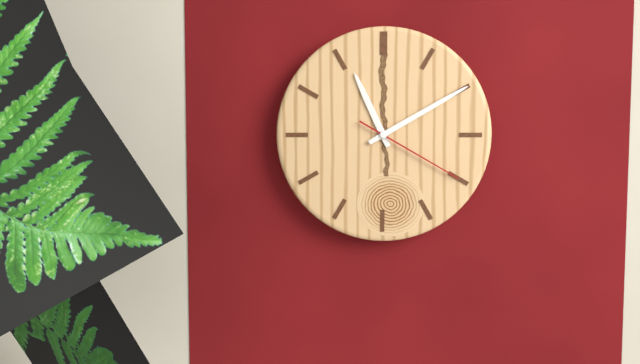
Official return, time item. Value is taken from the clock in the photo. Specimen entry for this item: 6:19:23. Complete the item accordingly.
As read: 11:10:20
